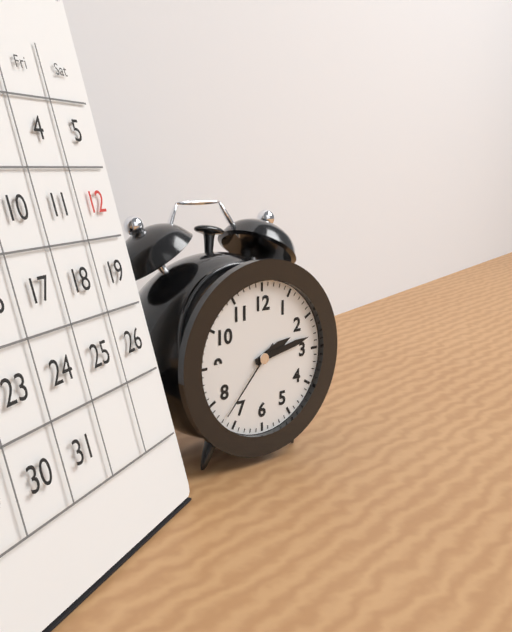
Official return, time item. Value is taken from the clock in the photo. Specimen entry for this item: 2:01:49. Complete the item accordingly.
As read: 2:13:37
